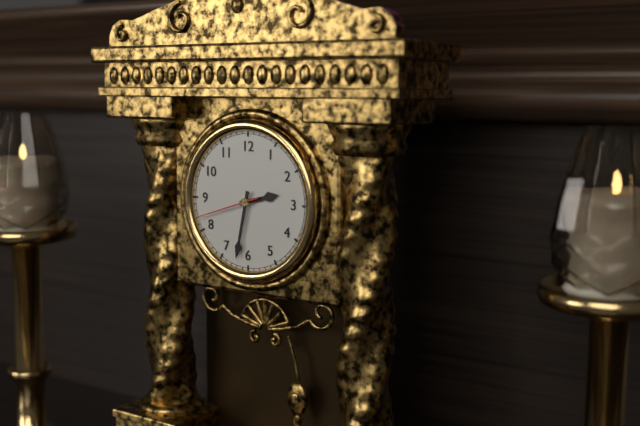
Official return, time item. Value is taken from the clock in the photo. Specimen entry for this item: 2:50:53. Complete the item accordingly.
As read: 2:32:42
